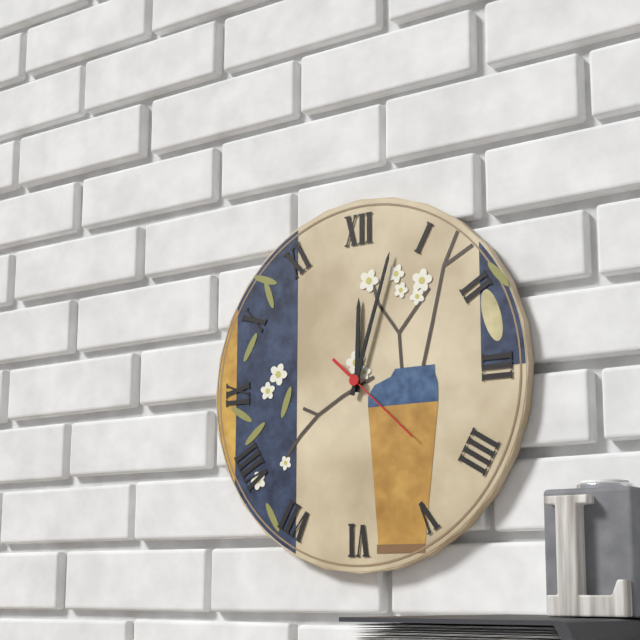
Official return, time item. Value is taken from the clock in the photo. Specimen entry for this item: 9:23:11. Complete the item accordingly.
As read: 12:03:22
